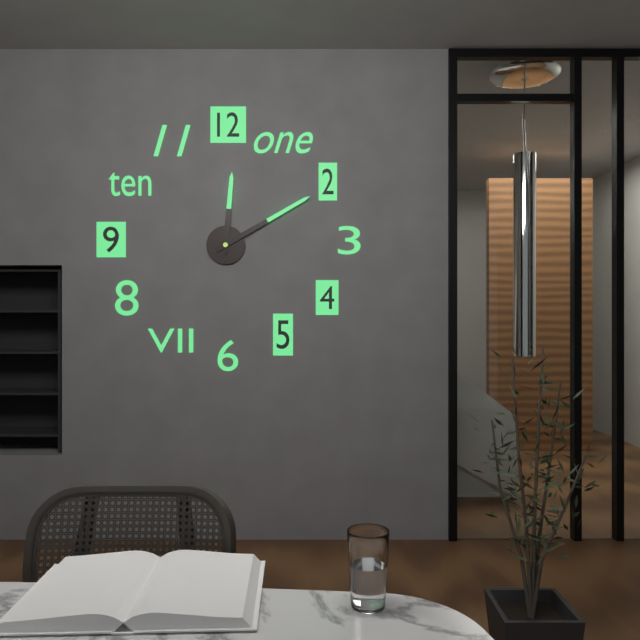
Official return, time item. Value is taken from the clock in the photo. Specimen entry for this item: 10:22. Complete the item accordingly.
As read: 12:10
